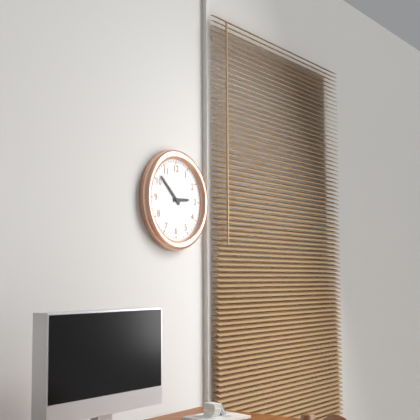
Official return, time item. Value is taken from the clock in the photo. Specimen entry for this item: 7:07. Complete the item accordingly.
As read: 2:52
